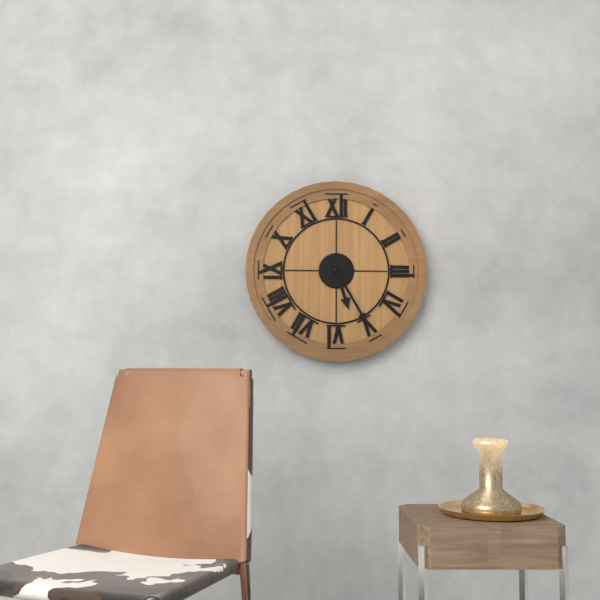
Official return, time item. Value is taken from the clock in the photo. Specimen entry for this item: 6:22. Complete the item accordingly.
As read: 5:25
